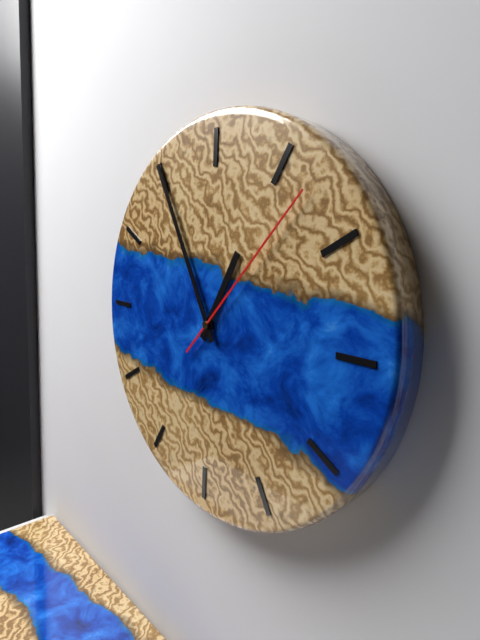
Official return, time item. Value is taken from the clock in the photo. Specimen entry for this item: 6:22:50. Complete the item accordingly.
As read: 12:55:07
